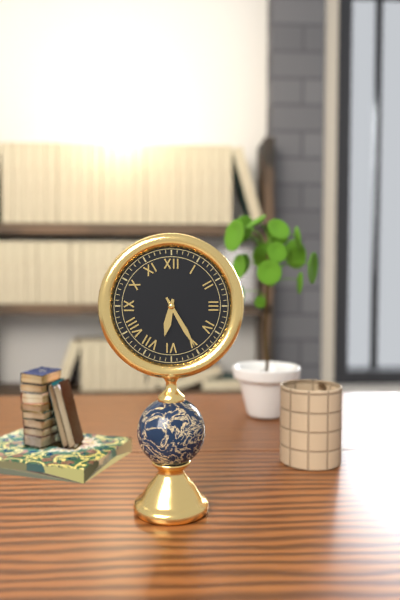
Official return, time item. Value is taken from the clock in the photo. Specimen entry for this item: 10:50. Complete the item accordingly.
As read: 6:25
